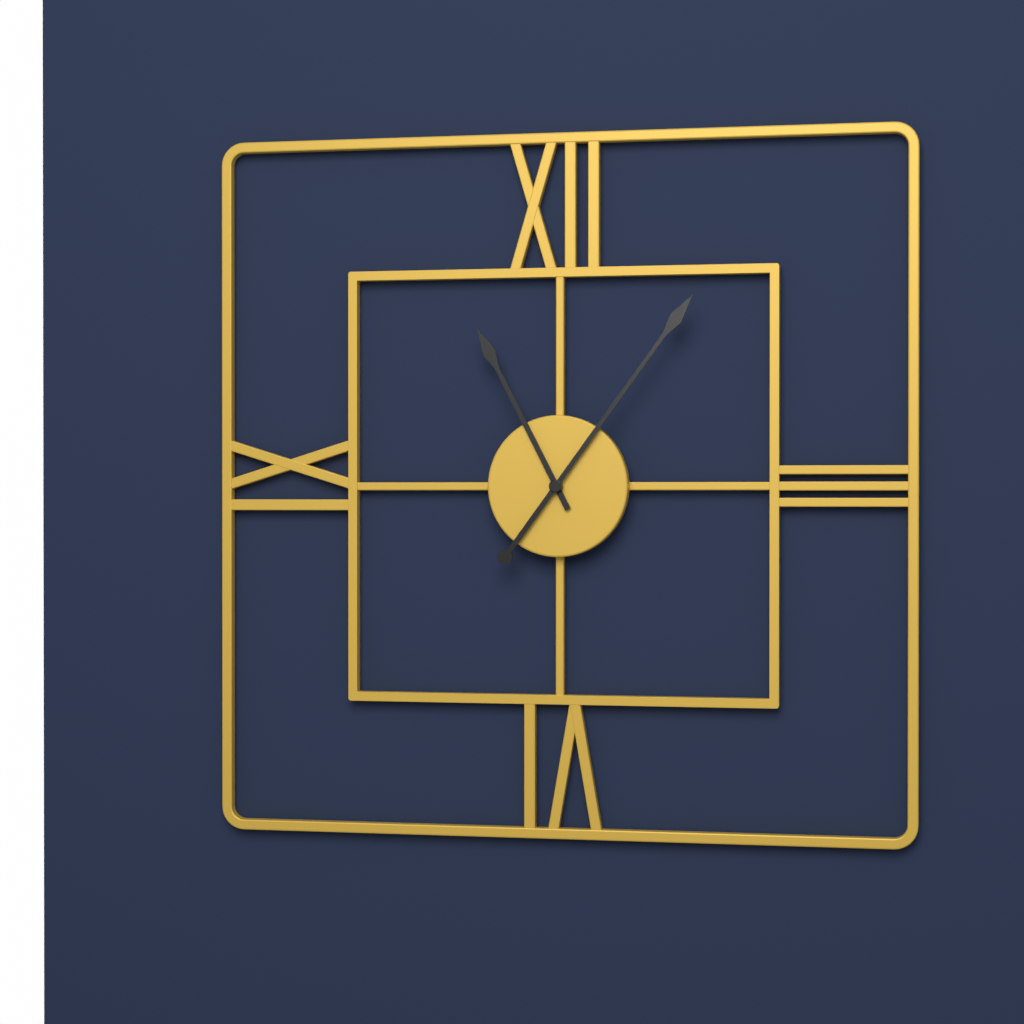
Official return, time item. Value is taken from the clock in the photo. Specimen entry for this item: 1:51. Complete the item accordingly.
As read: 11:06
